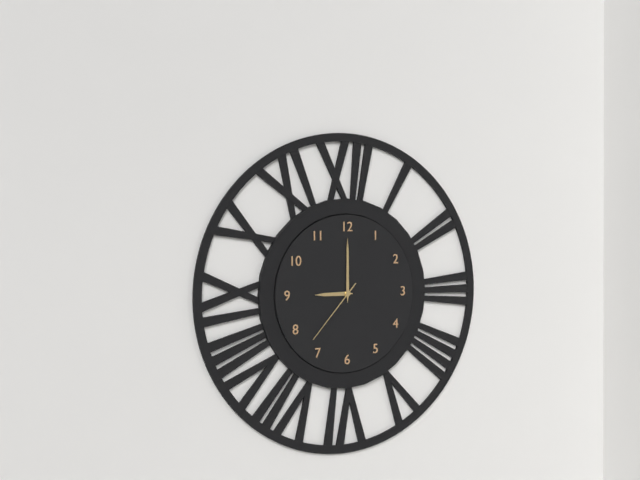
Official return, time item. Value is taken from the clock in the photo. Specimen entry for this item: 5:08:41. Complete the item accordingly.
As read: 9:00:37
